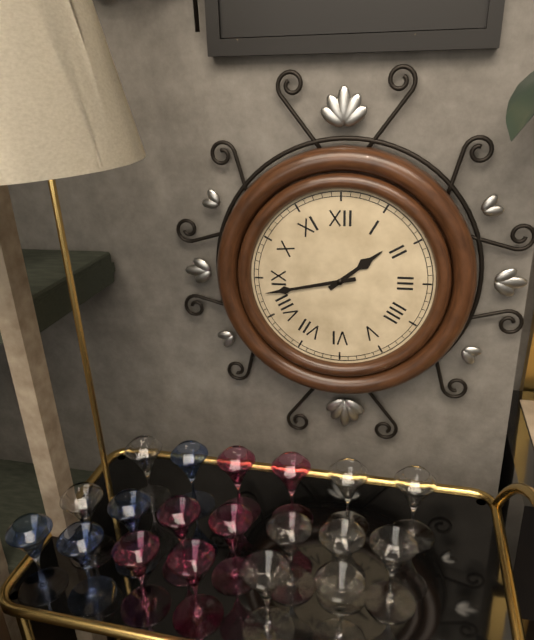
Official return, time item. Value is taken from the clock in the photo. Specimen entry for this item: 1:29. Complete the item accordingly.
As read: 1:43
